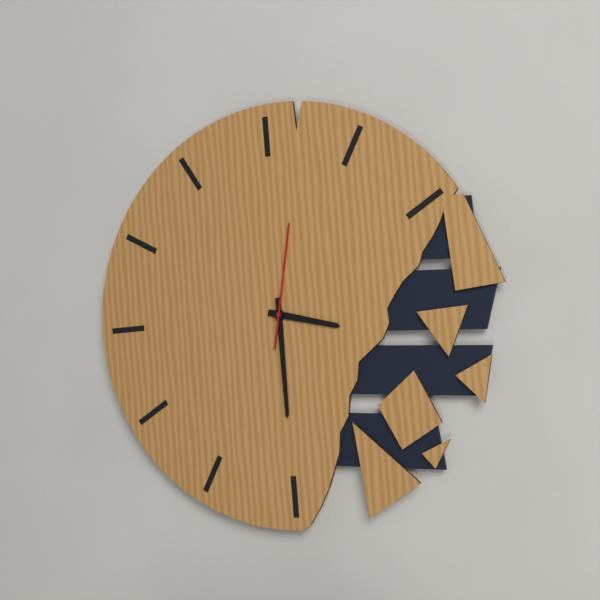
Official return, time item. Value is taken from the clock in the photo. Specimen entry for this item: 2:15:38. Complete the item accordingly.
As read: 3:30:02
